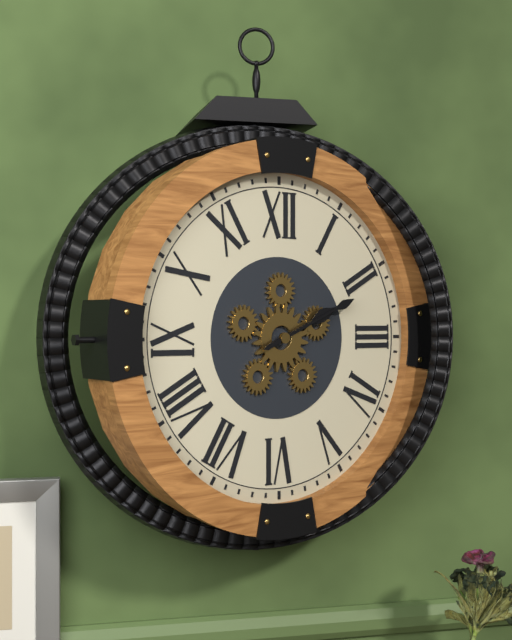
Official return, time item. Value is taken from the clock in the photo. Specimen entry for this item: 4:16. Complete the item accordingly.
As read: 2:11
